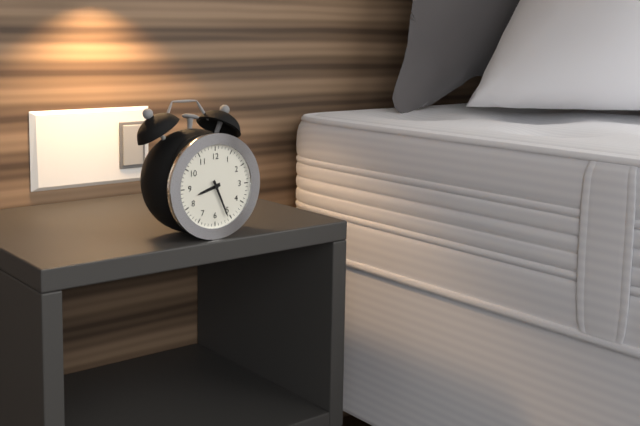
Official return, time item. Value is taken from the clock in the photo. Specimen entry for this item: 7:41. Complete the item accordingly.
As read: 8:26
